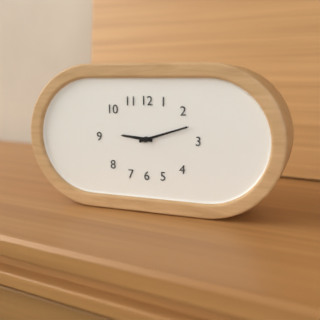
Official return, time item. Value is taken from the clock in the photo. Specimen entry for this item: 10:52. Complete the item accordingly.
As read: 9:12
